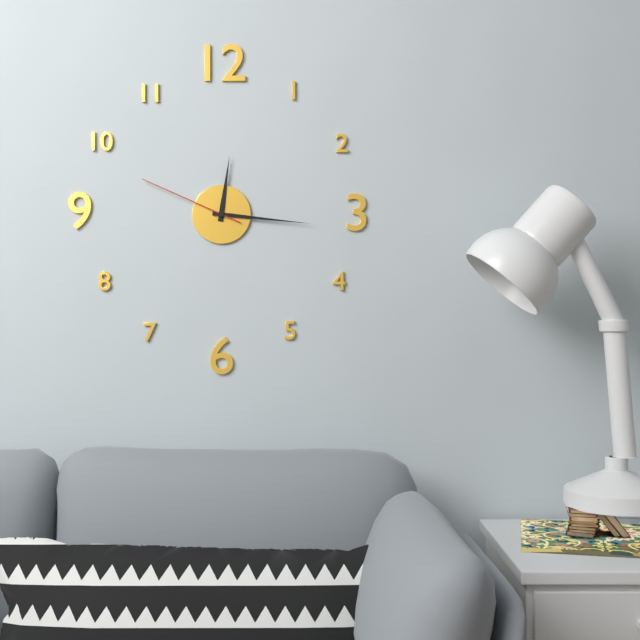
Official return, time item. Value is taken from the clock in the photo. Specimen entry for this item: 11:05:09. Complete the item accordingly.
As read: 12:16:49
